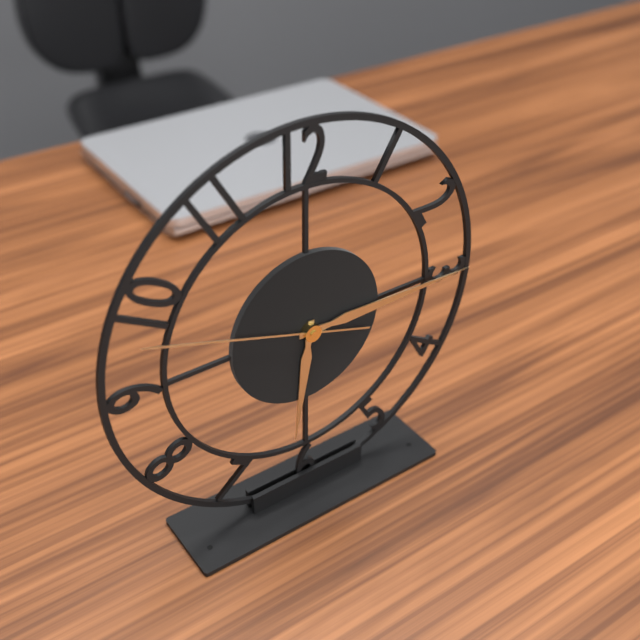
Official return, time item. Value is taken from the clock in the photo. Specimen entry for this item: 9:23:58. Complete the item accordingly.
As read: 6:15:48
